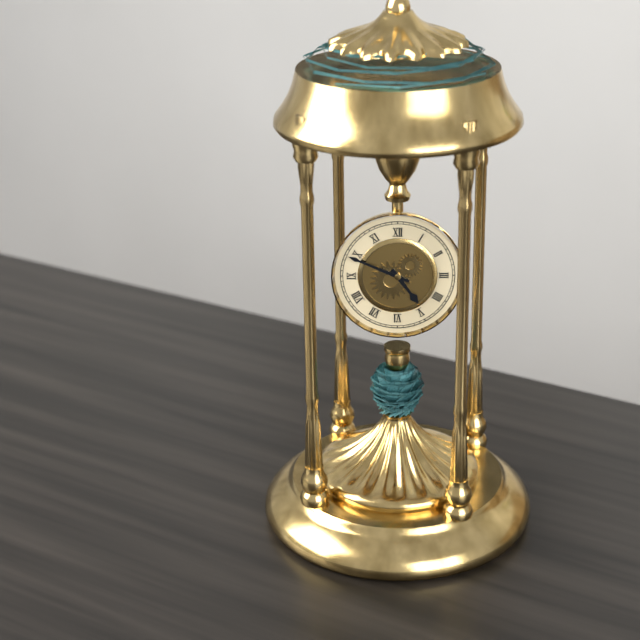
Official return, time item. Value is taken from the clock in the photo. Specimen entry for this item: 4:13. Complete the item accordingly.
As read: 4:49
